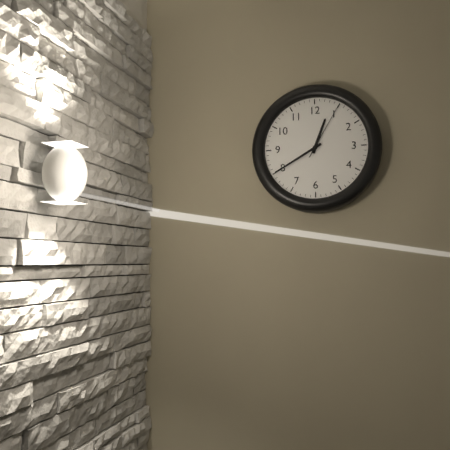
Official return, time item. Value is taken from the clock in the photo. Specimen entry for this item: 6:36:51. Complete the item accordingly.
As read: 12:40:05
